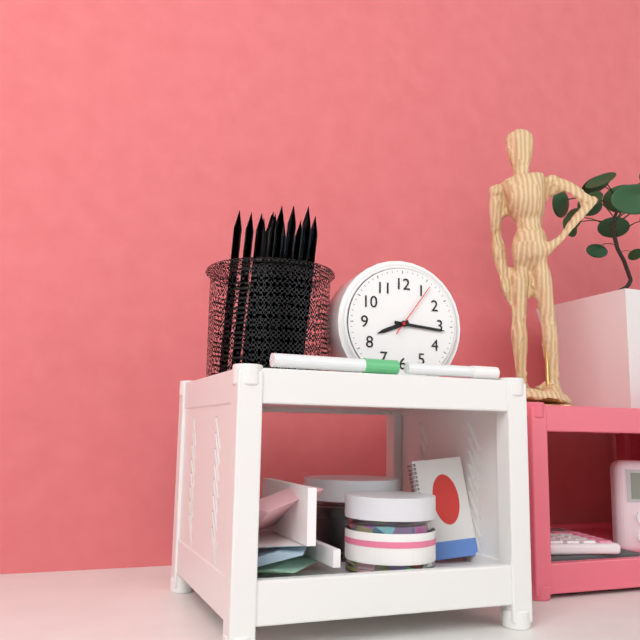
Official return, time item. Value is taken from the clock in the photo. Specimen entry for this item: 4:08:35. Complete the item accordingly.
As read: 8:16:06
